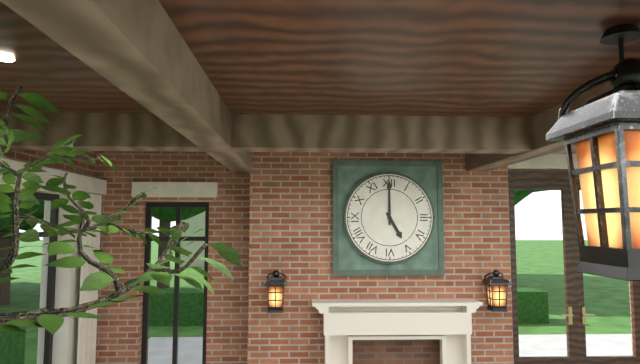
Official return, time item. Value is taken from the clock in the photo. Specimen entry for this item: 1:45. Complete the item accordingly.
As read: 5:00
